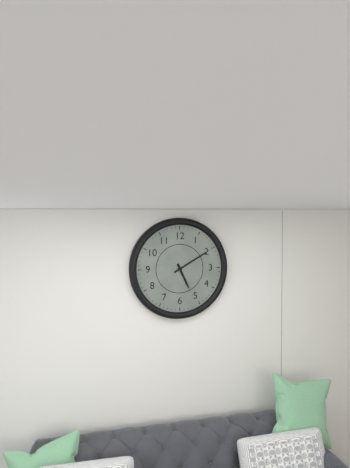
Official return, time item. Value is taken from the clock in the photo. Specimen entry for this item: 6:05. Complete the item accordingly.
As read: 5:10
